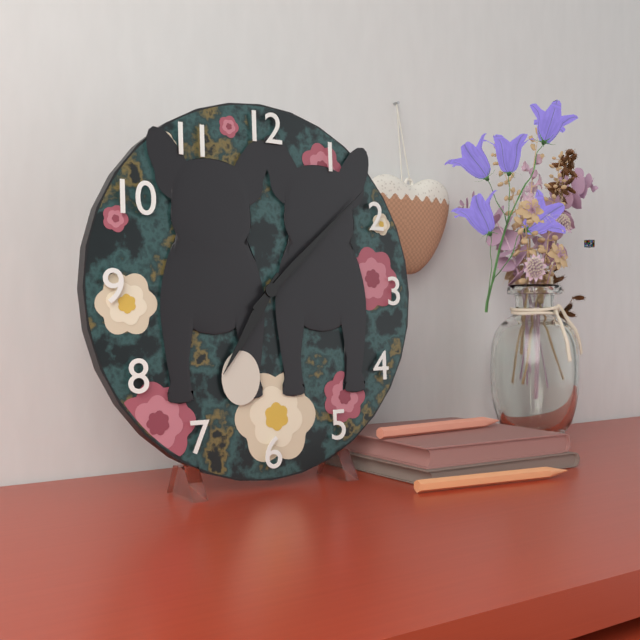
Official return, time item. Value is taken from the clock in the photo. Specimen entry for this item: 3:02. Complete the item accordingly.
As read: 7:08
